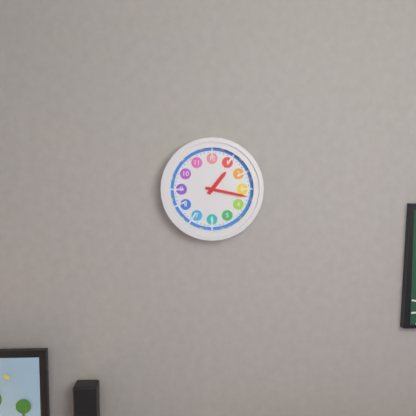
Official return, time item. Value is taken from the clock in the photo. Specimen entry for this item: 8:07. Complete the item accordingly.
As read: 1:17
